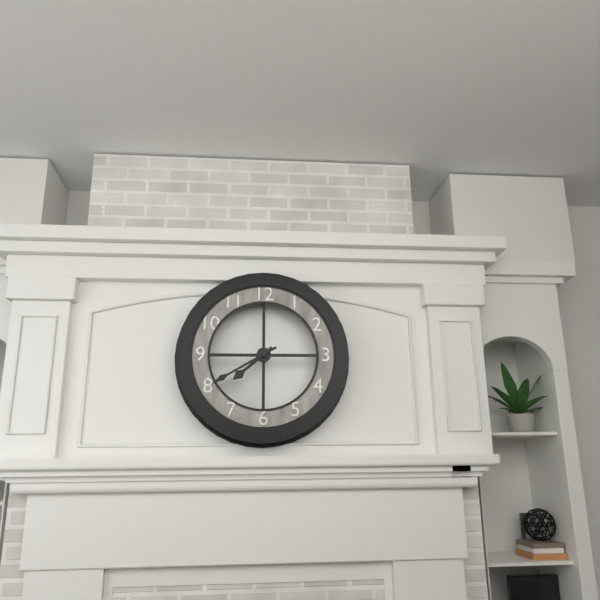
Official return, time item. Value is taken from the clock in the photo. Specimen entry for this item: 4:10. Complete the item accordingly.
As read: 7:40
